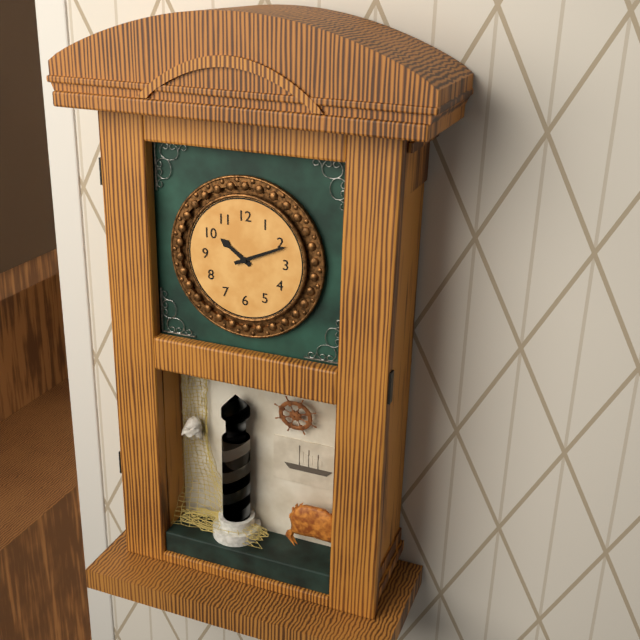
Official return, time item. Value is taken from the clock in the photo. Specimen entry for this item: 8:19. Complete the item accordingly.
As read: 10:11
